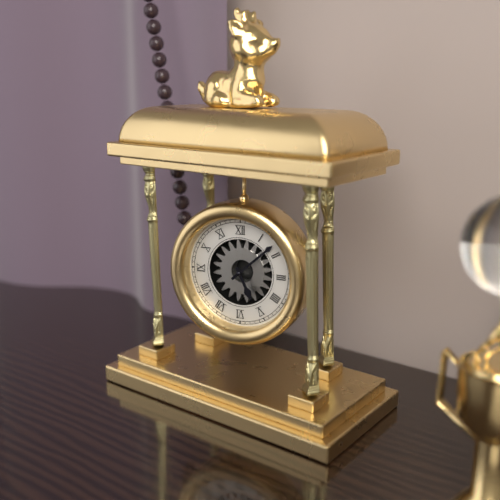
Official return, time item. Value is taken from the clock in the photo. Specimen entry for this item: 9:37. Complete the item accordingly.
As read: 5:08
